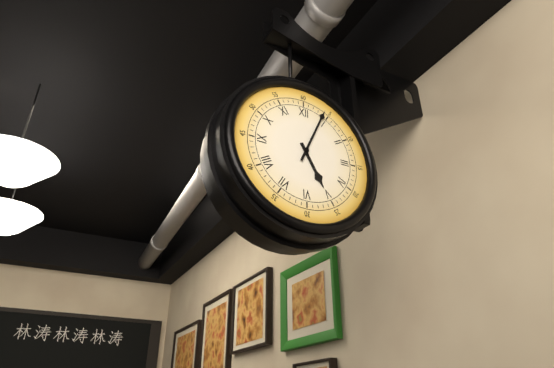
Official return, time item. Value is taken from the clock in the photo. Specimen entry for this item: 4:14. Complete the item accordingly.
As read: 5:04
